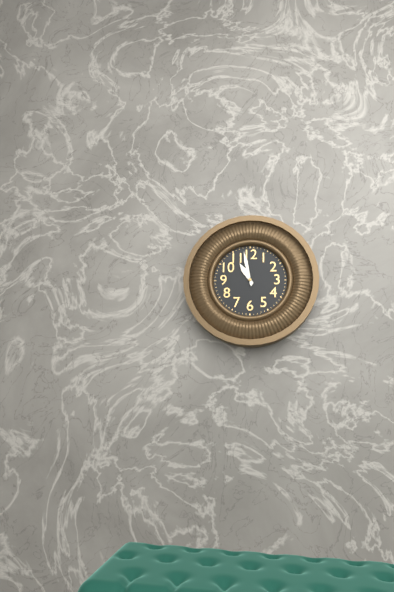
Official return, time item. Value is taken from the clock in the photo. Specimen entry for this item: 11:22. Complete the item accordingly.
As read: 10:58
